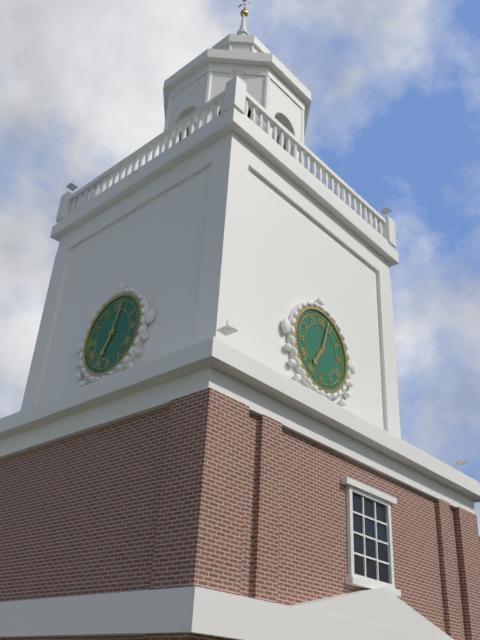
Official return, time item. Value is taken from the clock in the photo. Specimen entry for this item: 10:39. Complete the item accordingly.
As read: 7:03
